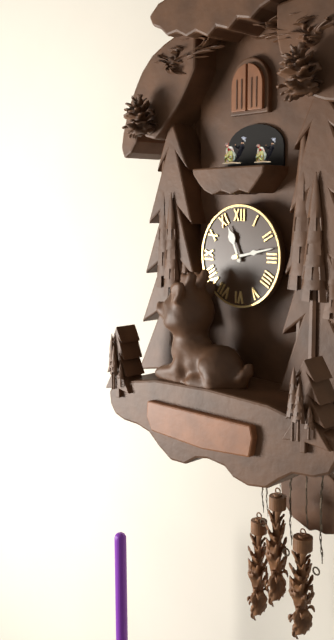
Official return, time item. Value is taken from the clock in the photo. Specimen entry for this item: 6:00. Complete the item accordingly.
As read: 11:13
